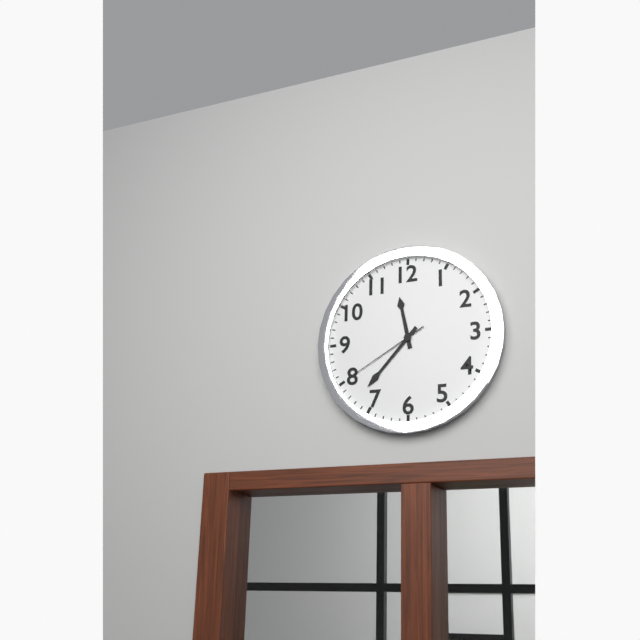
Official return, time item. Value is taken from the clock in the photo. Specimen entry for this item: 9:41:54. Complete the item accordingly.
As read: 11:37:40
